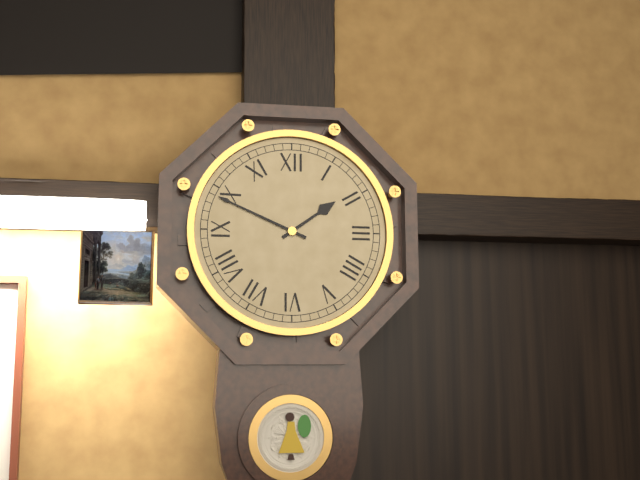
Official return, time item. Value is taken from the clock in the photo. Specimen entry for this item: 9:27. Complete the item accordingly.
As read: 1:49
